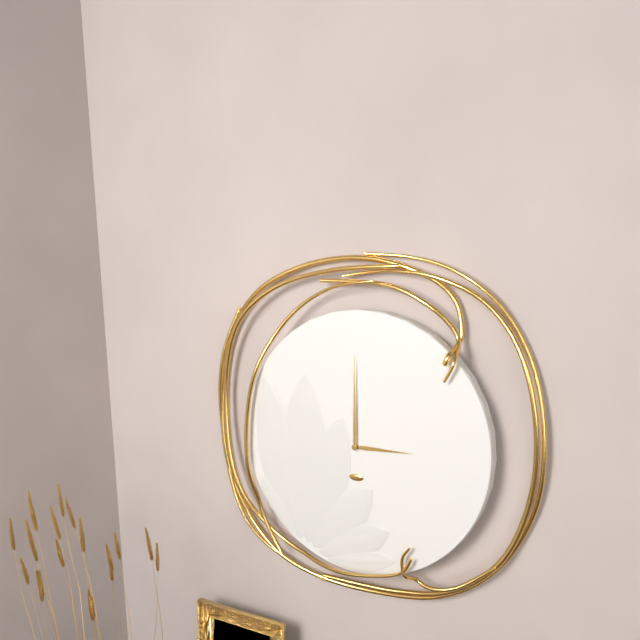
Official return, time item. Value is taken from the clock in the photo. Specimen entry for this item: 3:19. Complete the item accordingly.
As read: 3:00
